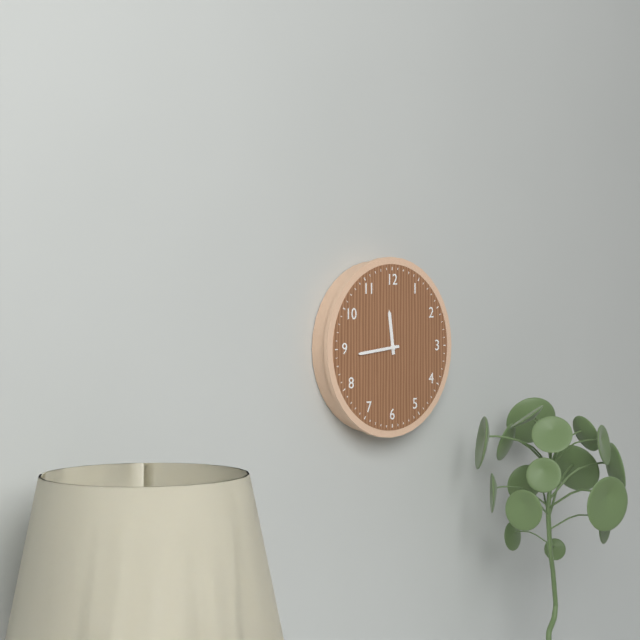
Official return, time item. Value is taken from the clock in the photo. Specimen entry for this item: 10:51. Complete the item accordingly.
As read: 11:44
